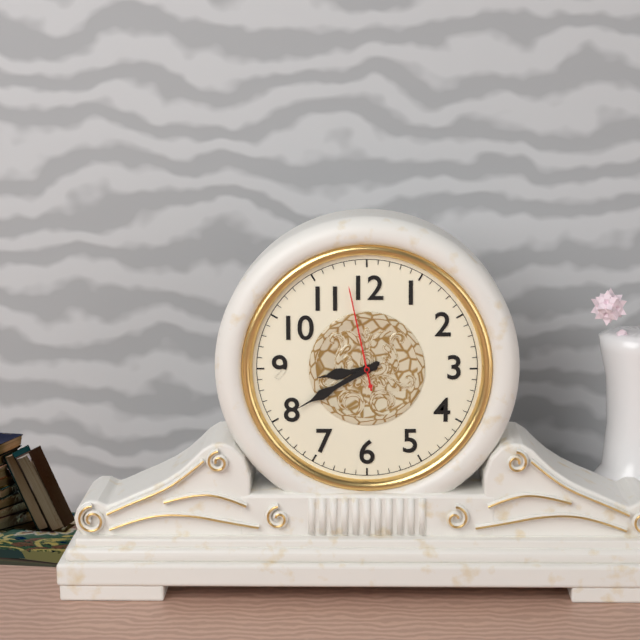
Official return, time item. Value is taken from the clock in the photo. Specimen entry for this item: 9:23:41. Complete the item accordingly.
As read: 8:40:58
